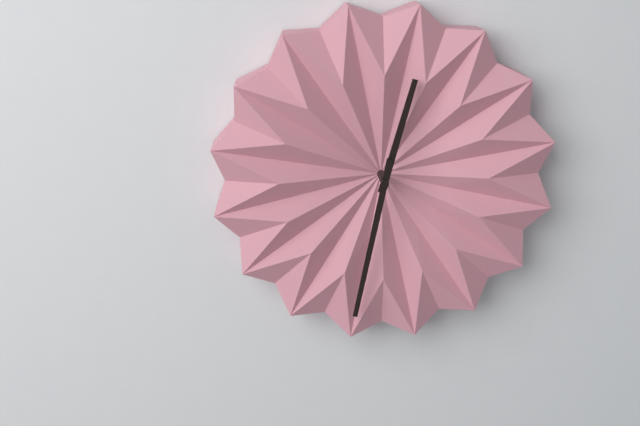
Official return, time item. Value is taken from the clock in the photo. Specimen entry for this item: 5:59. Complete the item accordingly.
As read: 12:32
